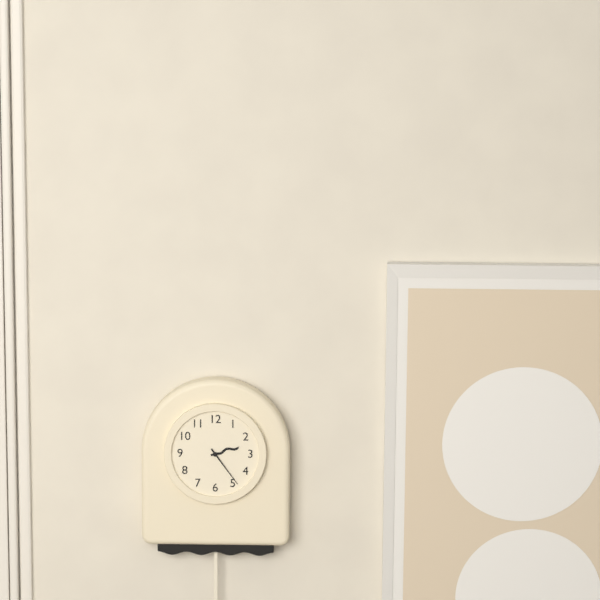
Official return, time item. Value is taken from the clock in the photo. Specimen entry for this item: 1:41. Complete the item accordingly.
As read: 2:24
